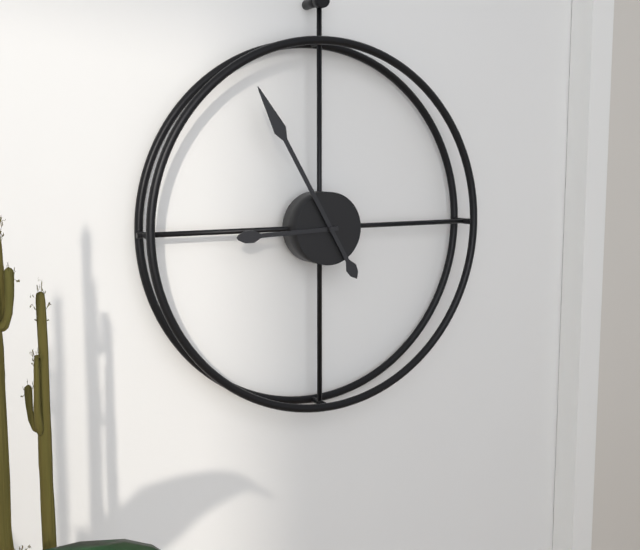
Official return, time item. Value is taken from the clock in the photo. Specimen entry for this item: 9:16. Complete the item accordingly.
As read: 8:55
